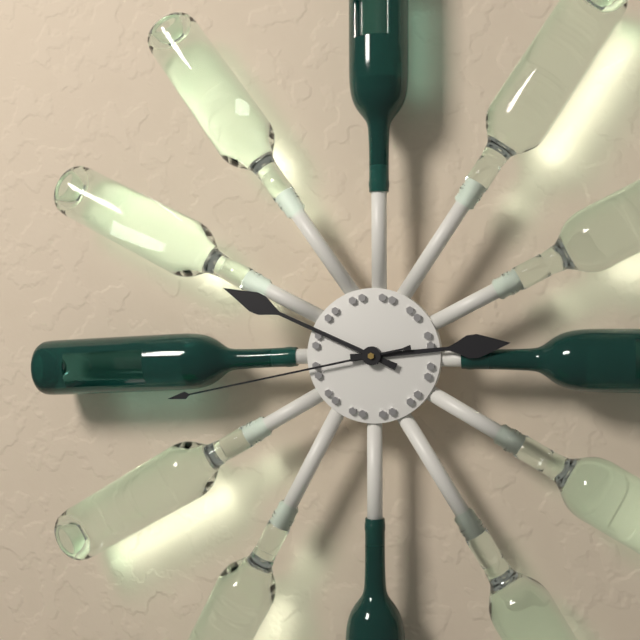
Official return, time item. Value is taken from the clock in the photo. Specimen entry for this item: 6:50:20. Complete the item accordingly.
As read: 2:49:43
